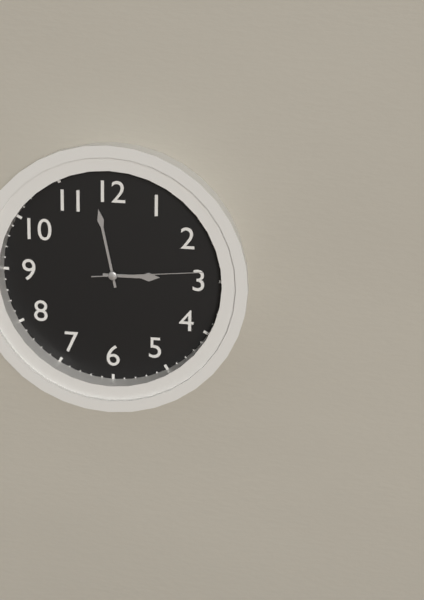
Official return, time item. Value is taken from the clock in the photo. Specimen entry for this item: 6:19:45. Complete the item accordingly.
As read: 2:58:14
